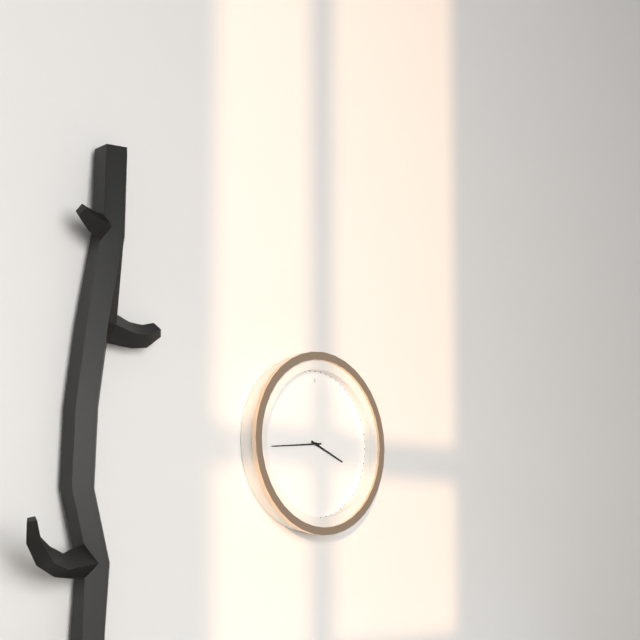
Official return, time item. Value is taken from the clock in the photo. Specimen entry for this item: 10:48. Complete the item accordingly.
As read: 3:44
